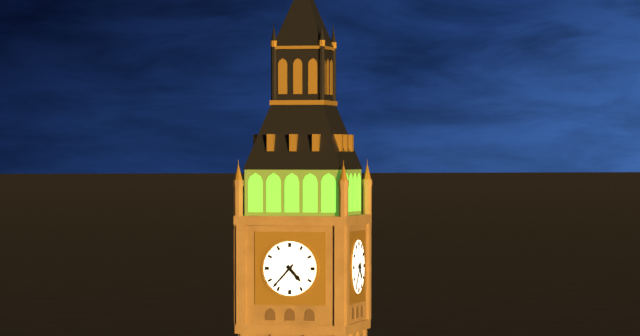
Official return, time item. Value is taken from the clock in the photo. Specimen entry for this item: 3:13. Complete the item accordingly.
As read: 4:37
